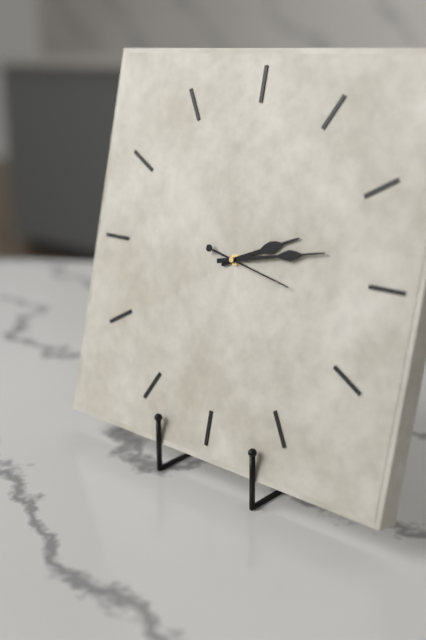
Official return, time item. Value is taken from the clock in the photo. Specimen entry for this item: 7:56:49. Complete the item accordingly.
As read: 2:13:17
